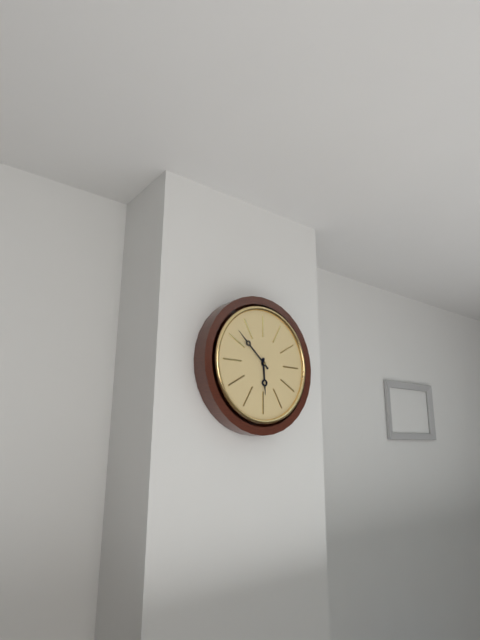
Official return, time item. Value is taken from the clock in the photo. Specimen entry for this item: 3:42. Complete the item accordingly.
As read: 5:52
